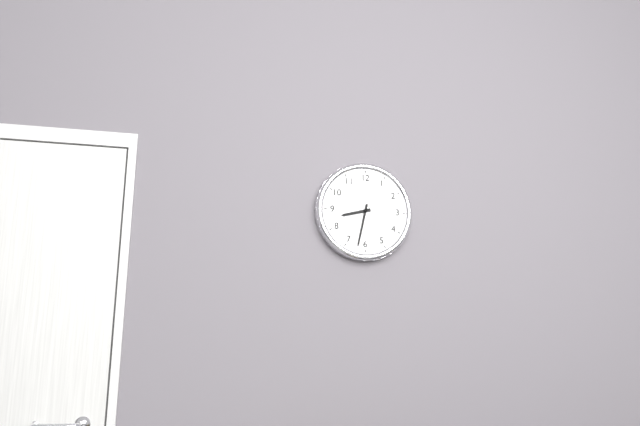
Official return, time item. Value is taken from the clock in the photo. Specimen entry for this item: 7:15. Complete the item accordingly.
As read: 8:32
